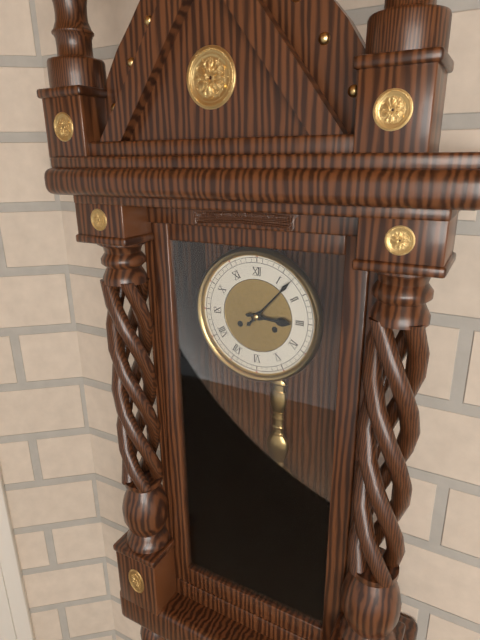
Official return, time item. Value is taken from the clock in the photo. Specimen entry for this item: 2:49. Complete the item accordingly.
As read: 3:07
